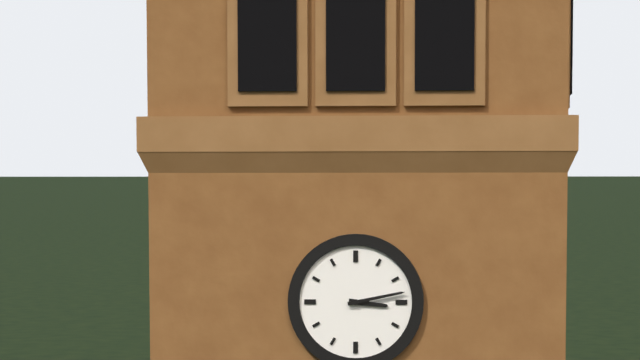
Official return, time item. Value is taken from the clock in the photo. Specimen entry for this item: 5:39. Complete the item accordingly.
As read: 3:13
